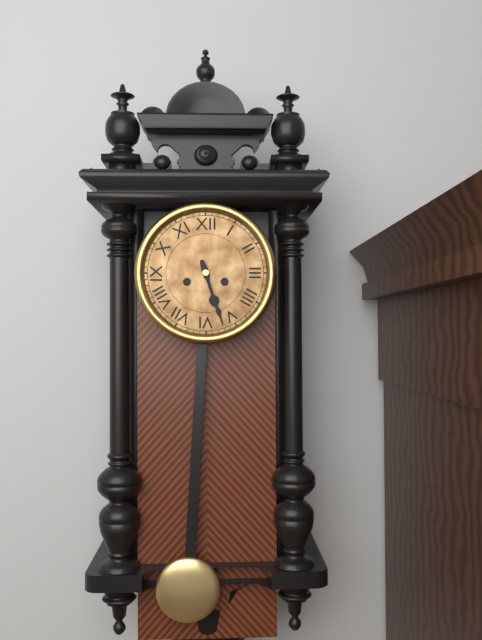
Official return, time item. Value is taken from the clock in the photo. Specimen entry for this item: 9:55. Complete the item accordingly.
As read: 5:27
